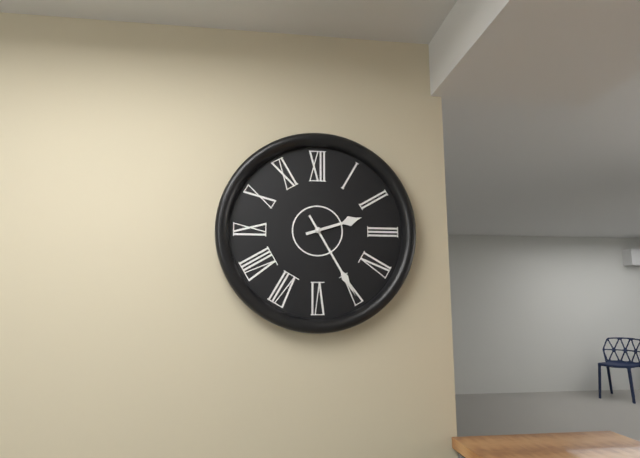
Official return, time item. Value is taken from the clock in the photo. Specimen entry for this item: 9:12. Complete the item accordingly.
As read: 2:25
